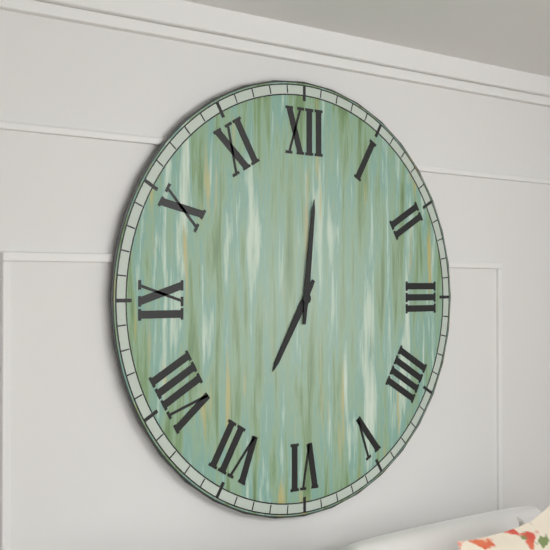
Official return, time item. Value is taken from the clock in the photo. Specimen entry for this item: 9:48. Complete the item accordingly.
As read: 7:01
